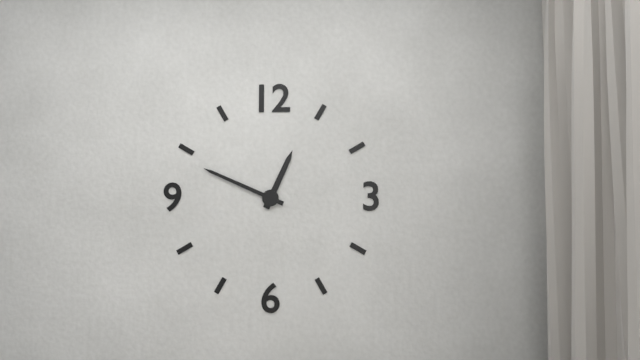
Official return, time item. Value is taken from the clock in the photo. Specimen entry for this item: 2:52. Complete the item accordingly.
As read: 12:49
